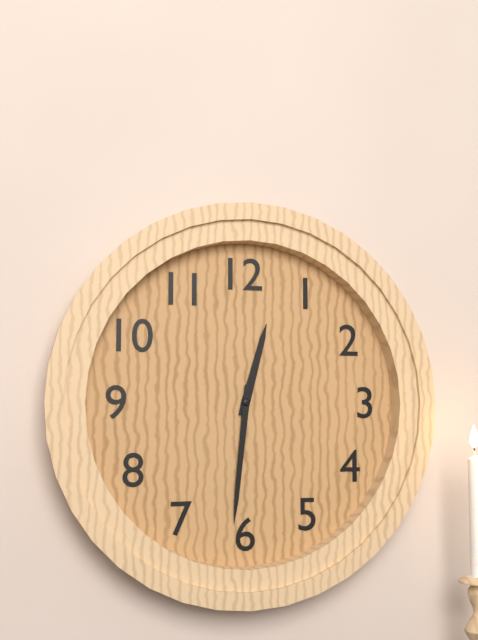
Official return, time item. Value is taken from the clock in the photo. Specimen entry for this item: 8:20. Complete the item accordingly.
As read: 12:31
